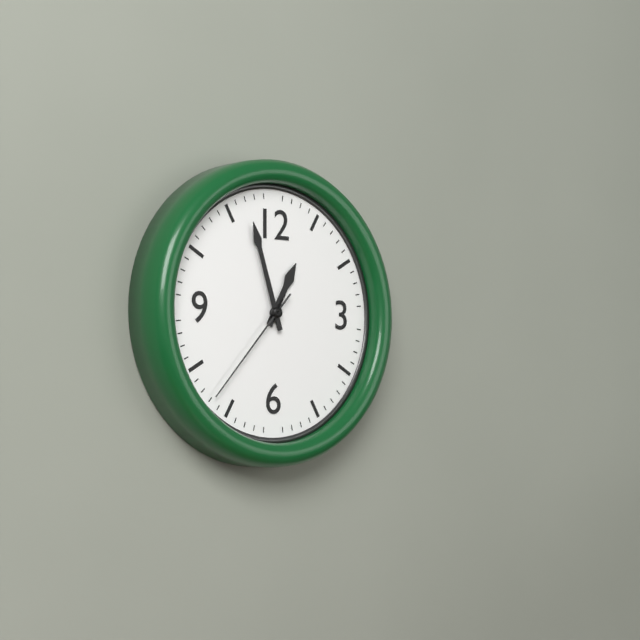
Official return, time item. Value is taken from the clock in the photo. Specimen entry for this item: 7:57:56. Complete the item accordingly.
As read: 12:57:37
